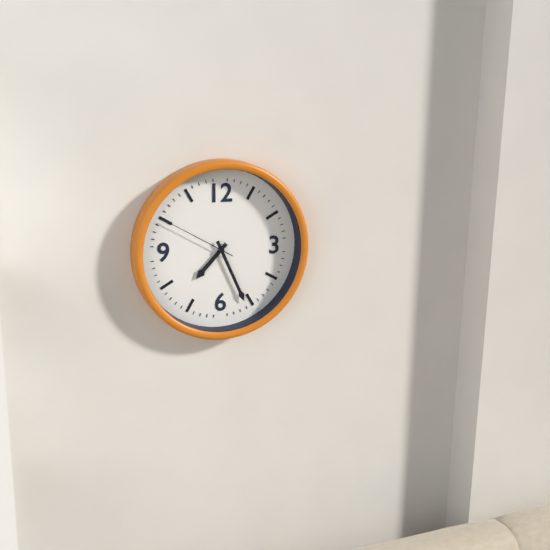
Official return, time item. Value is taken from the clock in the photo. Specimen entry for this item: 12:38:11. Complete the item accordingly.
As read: 7:26:50
